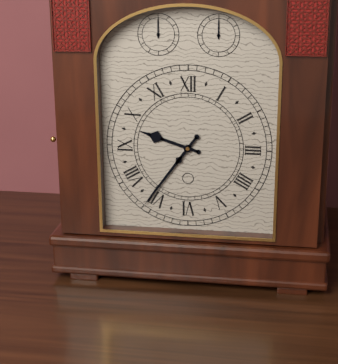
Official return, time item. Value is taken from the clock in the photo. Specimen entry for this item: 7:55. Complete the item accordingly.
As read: 9:36
